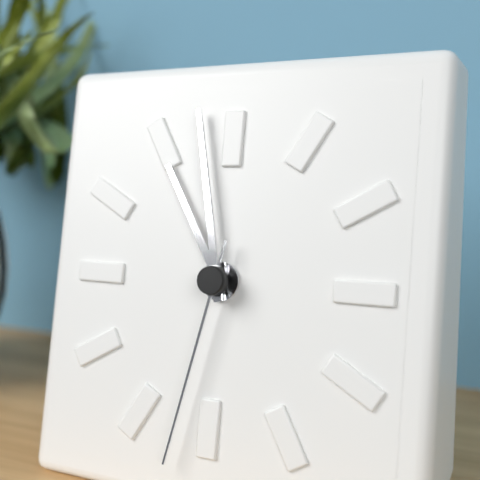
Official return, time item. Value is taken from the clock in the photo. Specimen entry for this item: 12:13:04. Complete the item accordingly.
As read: 10:58:32
